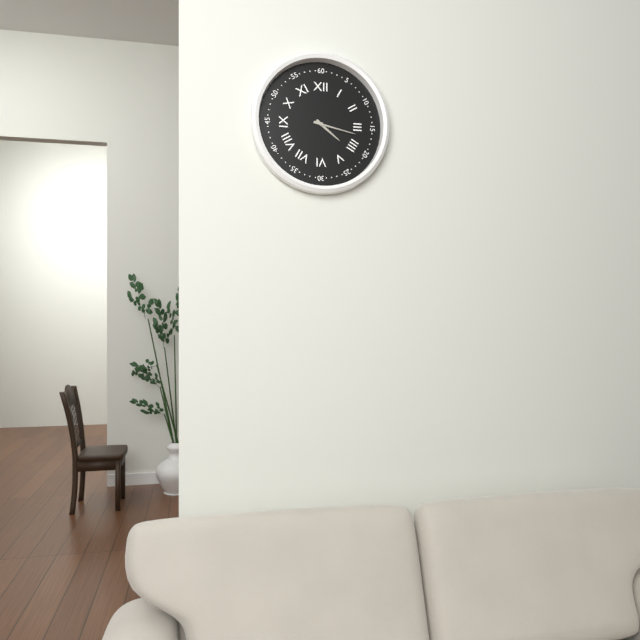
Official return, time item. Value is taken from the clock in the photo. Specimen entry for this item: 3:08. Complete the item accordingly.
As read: 4:17
